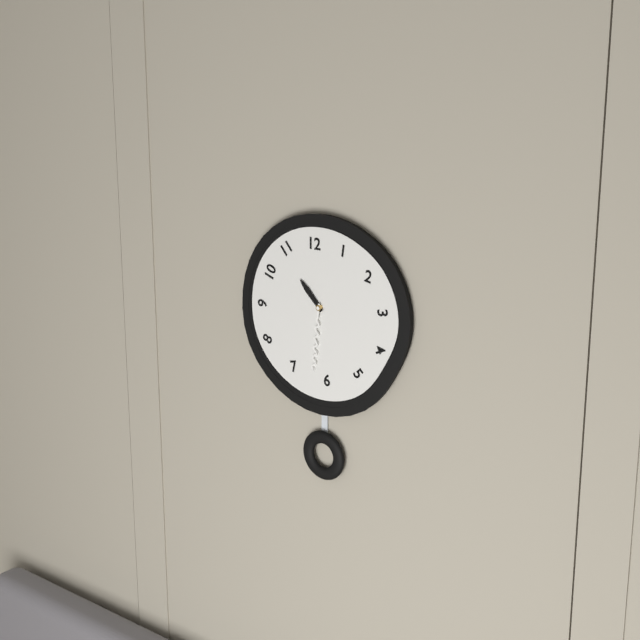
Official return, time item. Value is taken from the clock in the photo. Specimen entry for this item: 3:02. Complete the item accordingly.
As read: 10:31
